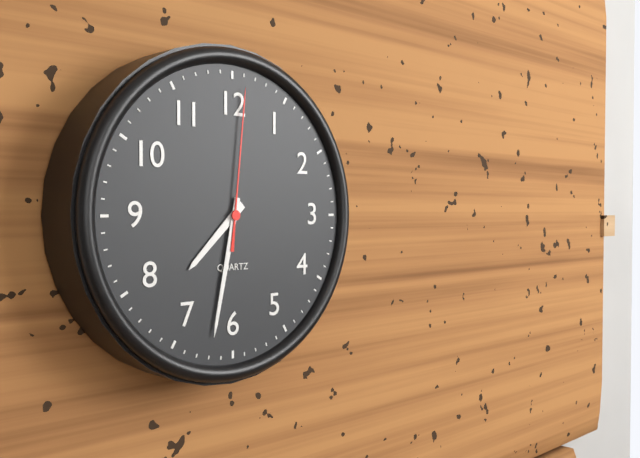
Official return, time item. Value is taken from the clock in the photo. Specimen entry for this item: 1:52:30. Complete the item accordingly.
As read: 7:32:01
